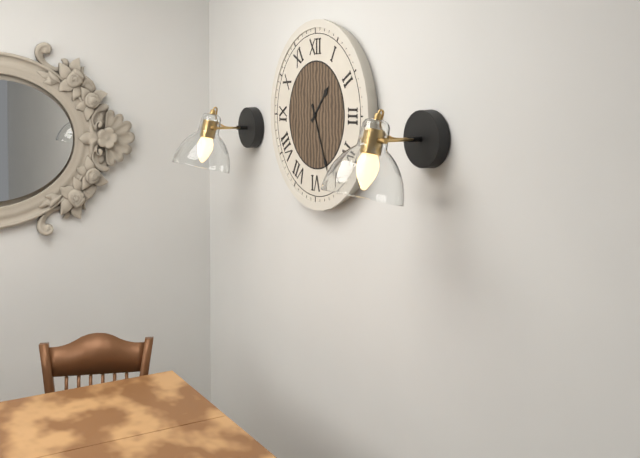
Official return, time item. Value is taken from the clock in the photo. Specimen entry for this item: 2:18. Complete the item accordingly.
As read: 1:26
